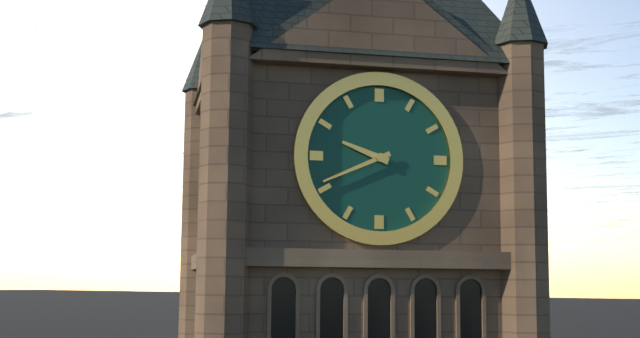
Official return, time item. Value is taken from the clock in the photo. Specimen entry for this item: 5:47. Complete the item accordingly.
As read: 9:41
